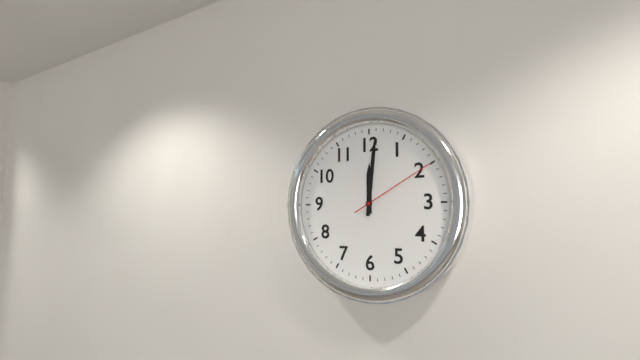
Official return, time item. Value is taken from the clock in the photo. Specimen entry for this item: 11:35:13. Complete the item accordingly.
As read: 12:01:10
